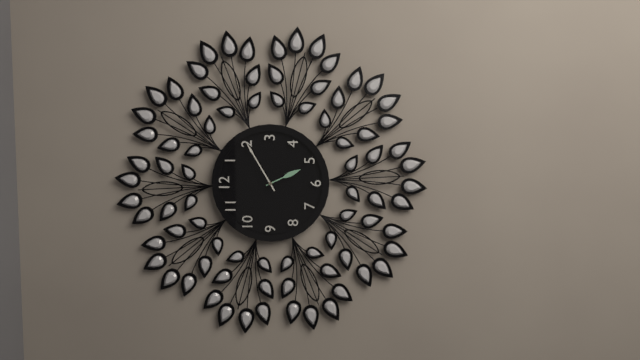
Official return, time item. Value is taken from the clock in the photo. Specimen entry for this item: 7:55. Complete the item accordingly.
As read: 5:10
